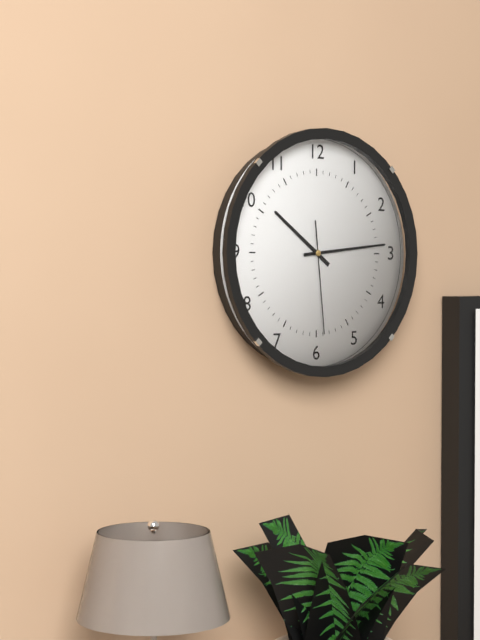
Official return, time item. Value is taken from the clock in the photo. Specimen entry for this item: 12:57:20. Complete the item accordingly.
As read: 10:14:29
